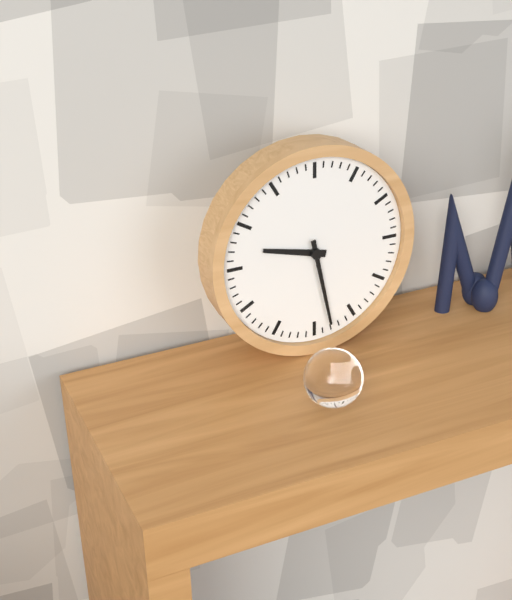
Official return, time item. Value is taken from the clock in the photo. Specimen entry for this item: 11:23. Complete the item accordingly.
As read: 9:28
